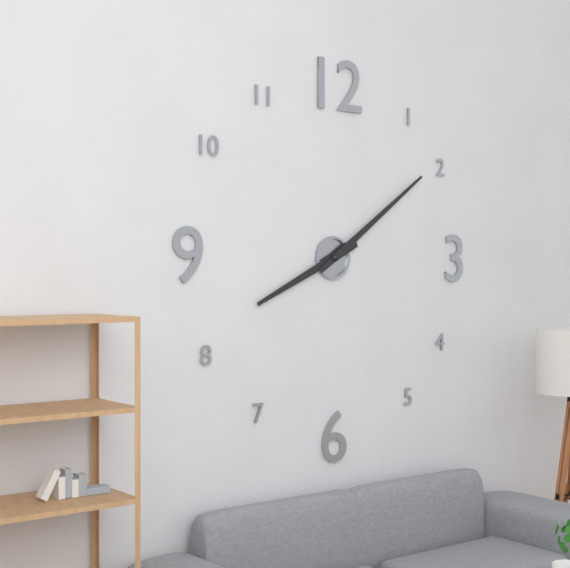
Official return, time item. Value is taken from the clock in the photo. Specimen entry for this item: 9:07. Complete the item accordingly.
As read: 8:09
